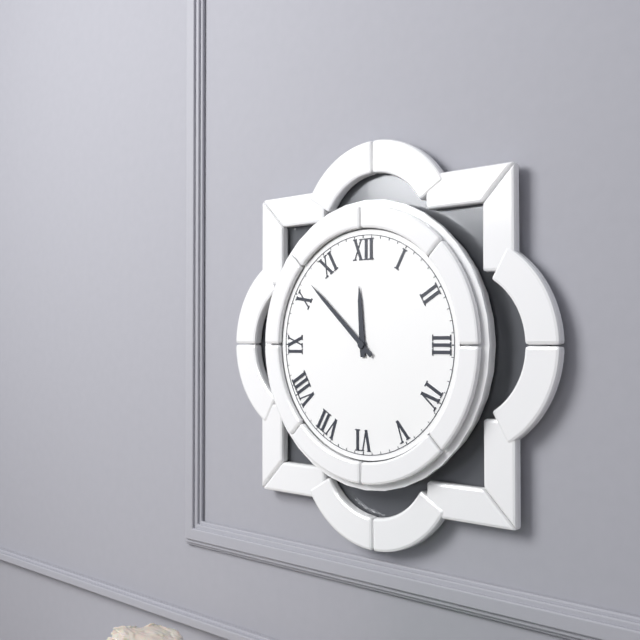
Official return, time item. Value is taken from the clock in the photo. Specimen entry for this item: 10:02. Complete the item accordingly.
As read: 11:52
